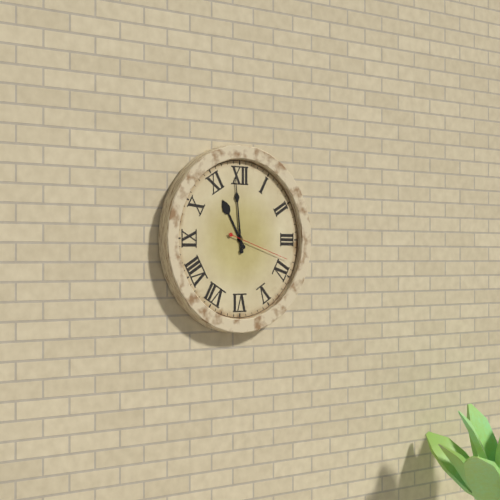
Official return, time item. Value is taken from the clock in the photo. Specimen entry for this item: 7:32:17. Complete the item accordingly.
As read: 10:59:18
